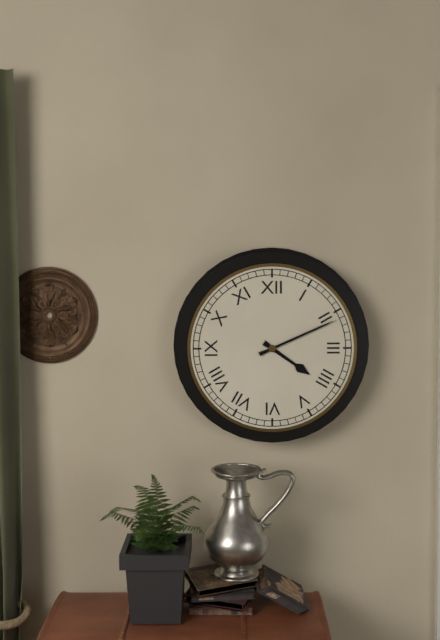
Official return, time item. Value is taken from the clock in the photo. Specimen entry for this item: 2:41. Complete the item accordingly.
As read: 4:11
